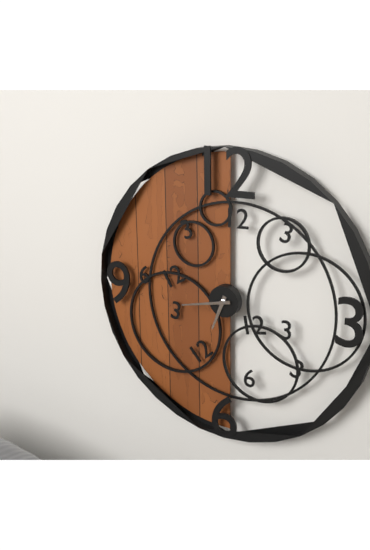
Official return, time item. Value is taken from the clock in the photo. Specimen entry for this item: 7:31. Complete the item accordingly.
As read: 6:43
